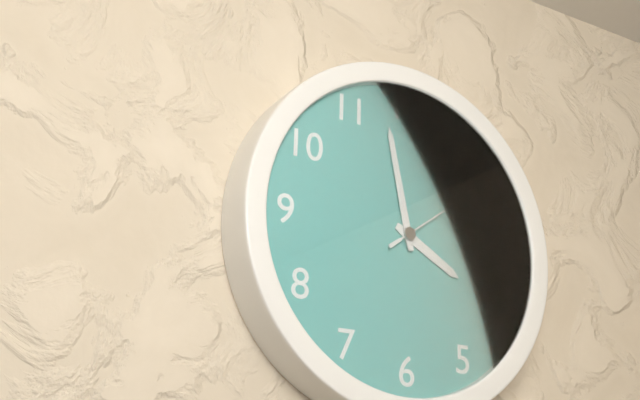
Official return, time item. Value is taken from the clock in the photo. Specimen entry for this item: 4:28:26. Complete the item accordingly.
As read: 3:58:09
